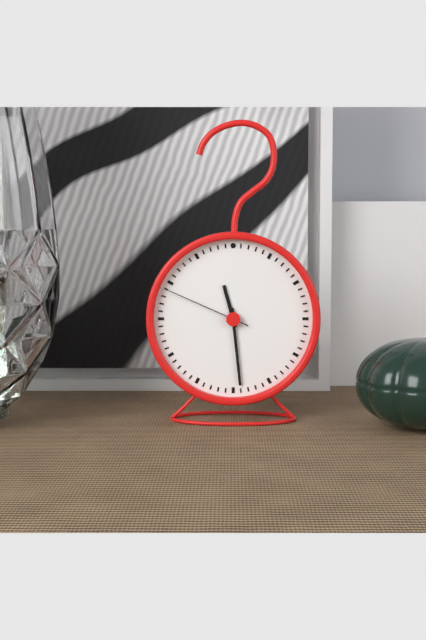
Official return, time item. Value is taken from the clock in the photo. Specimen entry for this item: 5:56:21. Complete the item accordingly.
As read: 11:29:49
